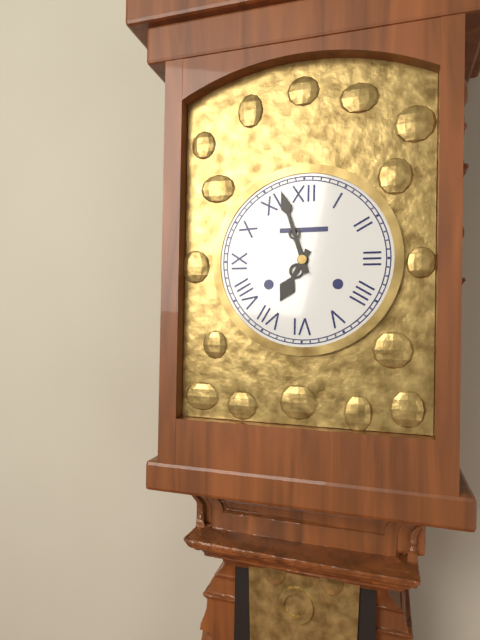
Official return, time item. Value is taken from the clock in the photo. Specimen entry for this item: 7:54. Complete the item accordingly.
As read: 6:57
